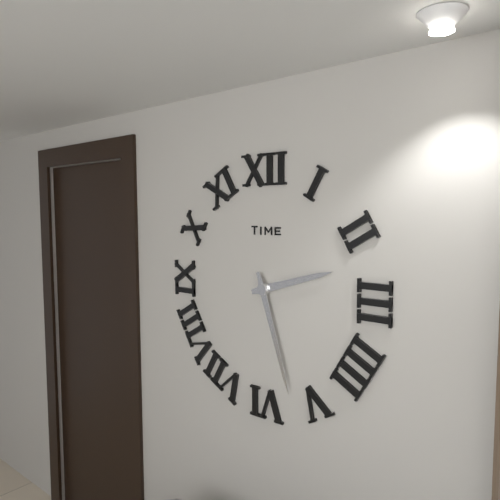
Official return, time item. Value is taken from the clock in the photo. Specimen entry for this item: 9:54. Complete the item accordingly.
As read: 2:27
